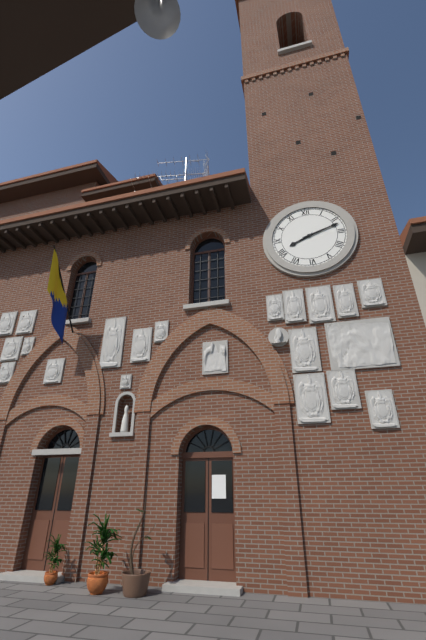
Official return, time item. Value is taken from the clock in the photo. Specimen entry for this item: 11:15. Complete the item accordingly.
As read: 8:12
